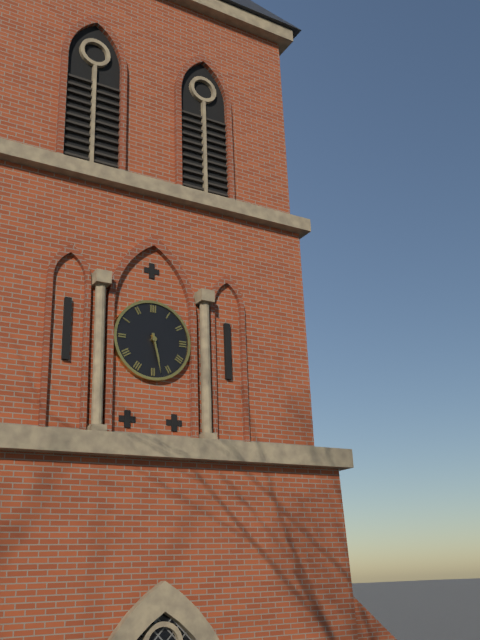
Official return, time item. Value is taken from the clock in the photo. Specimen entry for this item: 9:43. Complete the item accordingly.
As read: 5:28
